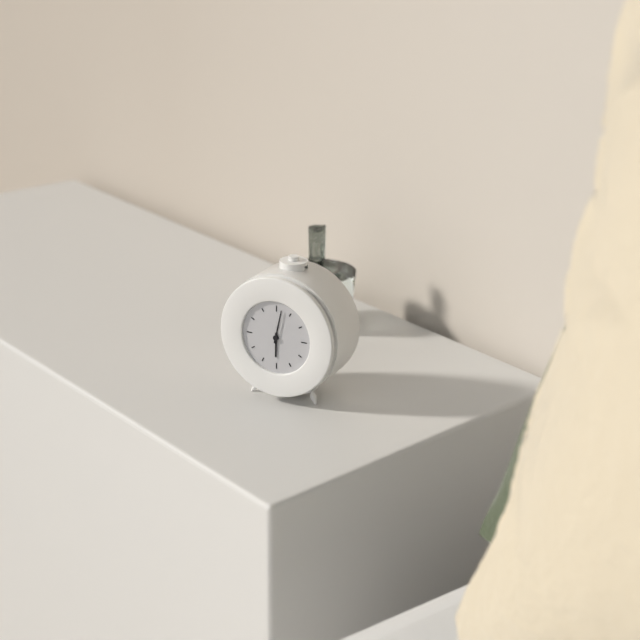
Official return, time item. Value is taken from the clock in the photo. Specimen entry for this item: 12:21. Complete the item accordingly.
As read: 6:02
